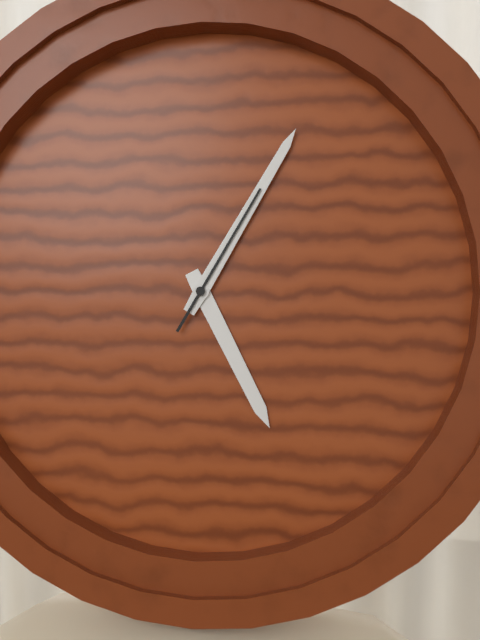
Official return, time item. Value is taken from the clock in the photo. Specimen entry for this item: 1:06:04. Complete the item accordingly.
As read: 5:05:05
